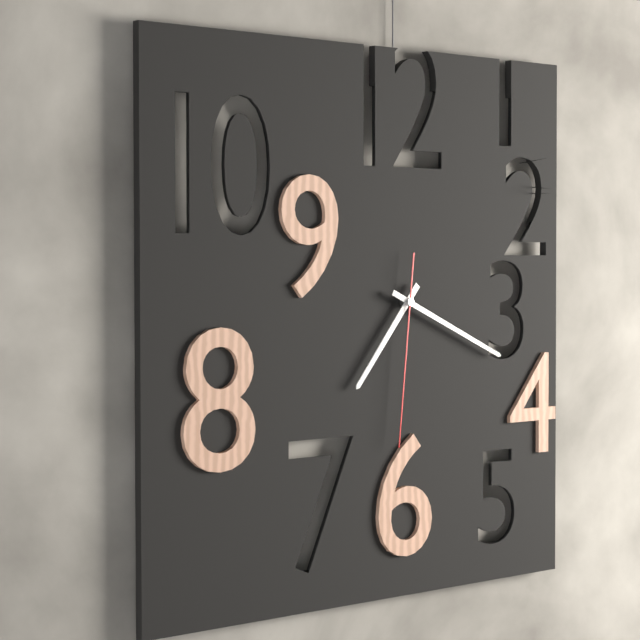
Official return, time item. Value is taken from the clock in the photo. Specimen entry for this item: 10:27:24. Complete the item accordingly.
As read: 7:19:31
